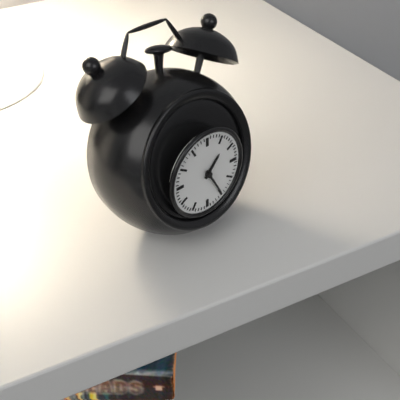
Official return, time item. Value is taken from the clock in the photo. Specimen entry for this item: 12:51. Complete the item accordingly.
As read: 1:25
